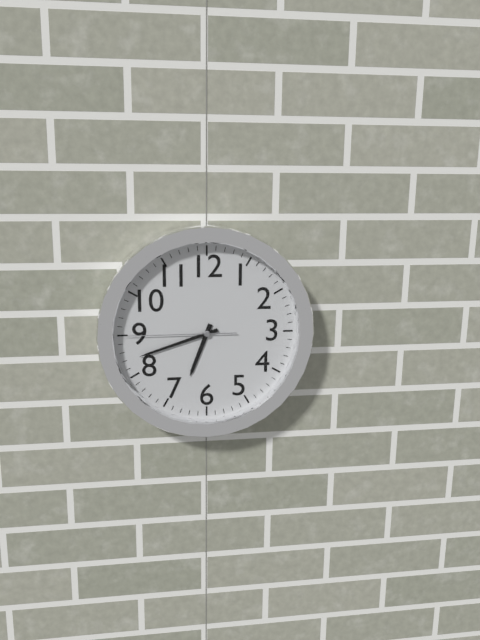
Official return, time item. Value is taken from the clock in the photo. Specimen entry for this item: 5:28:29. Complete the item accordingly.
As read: 6:42:45
